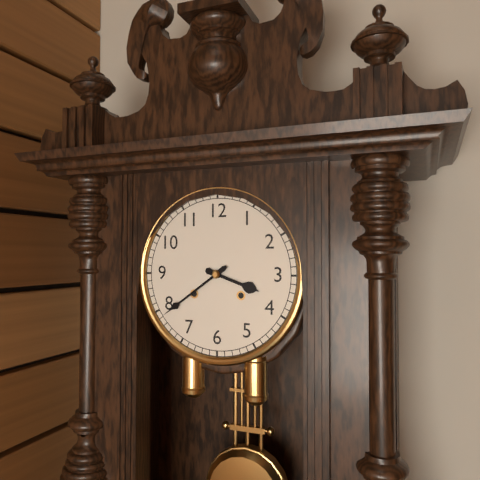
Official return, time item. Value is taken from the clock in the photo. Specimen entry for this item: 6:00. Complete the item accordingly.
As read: 3:39
